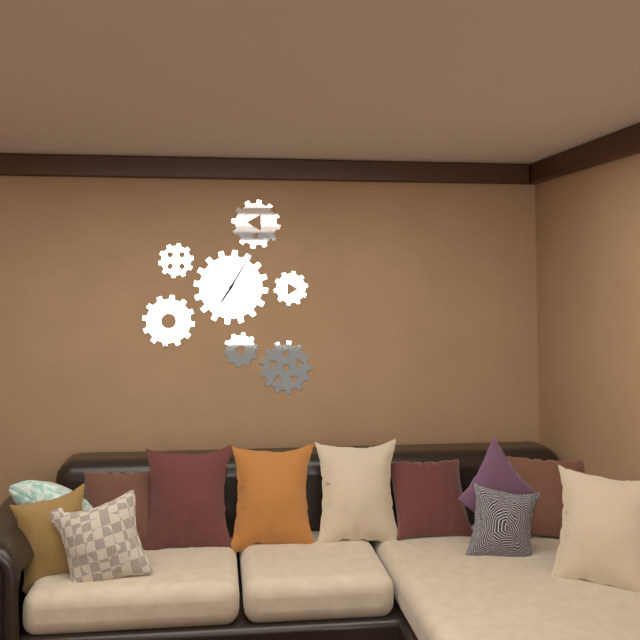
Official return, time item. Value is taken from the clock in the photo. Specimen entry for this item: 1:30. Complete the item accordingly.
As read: 7:05
